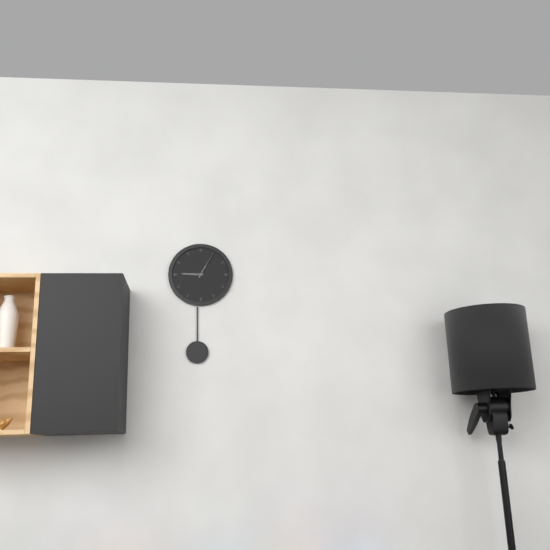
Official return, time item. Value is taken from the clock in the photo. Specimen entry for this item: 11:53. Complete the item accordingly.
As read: 9:05
